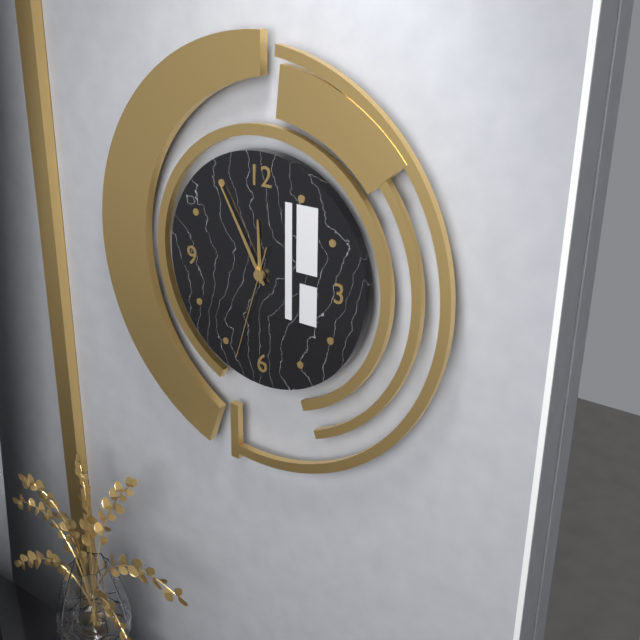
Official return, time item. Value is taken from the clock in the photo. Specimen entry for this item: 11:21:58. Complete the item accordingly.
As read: 11:55:33
